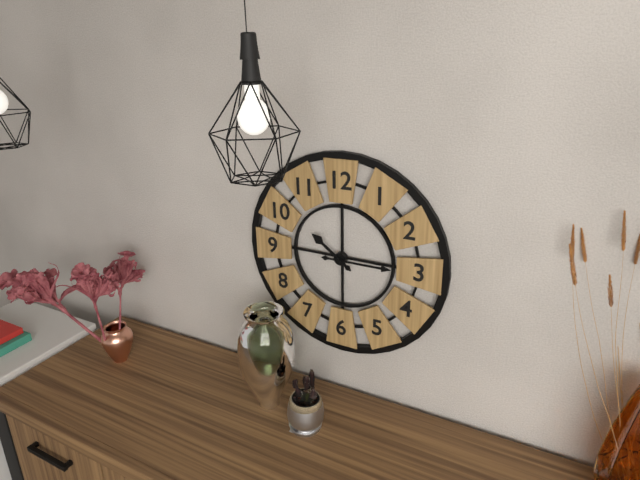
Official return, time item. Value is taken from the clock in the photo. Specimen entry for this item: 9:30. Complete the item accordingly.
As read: 10:15
